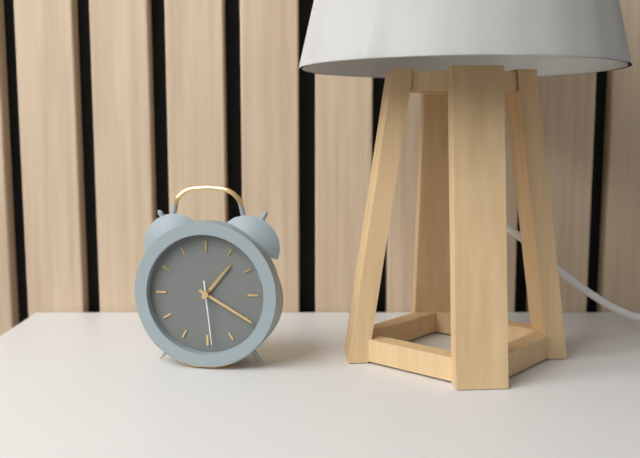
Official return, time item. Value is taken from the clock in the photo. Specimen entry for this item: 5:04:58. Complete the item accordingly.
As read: 1:20:29
